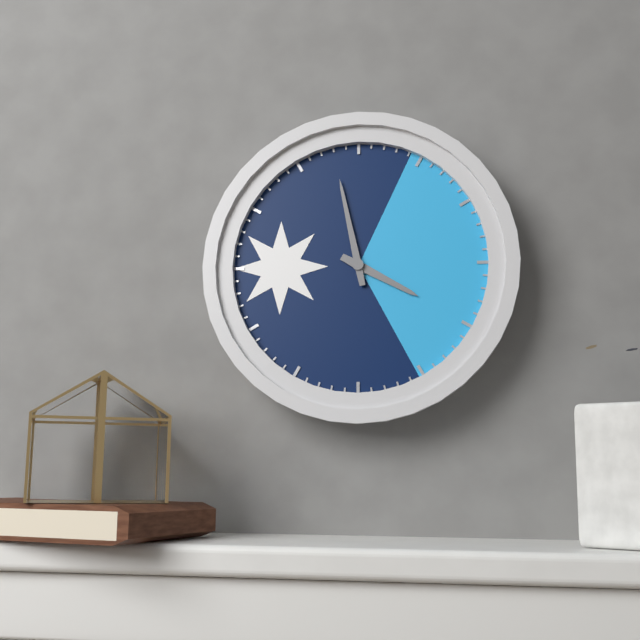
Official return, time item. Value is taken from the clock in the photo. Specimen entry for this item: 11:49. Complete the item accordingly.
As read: 3:58
